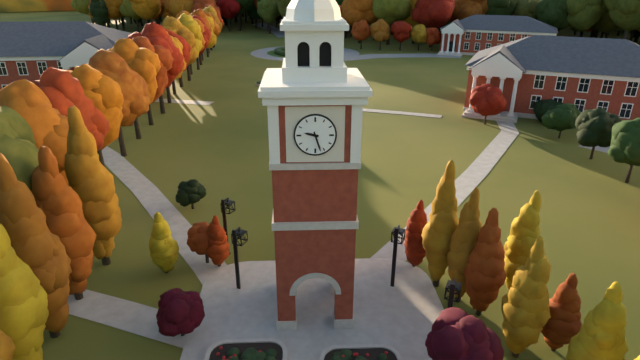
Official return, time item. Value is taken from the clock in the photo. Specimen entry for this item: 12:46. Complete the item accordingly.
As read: 9:27
